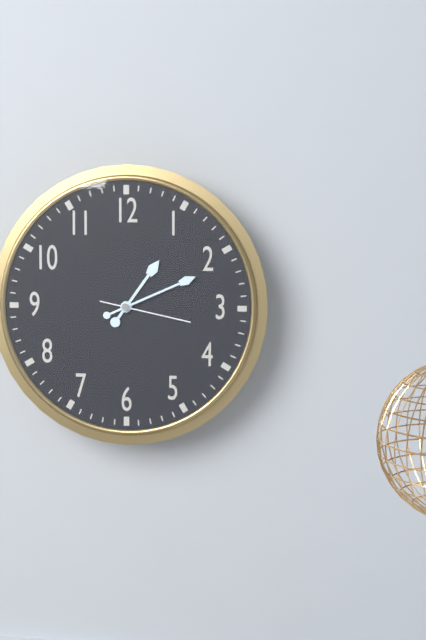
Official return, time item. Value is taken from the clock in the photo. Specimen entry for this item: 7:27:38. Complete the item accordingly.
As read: 1:11:17
